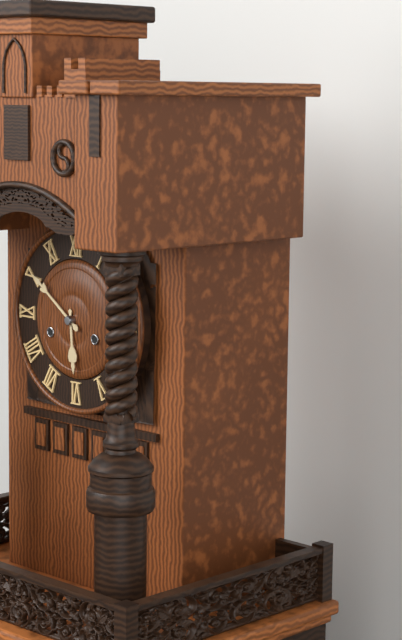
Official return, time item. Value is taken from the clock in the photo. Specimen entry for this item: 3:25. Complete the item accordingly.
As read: 5:51
